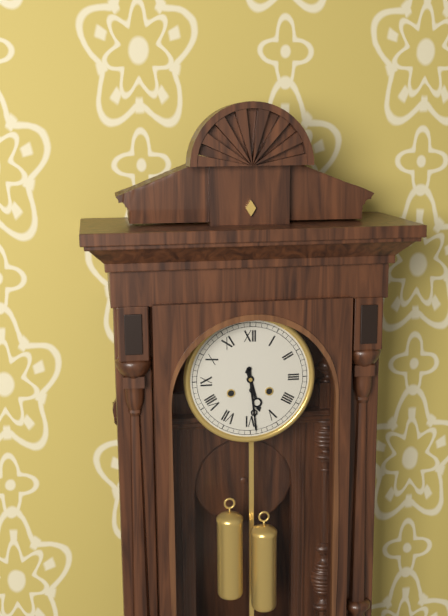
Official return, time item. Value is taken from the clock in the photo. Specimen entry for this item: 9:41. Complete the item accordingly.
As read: 5:29
